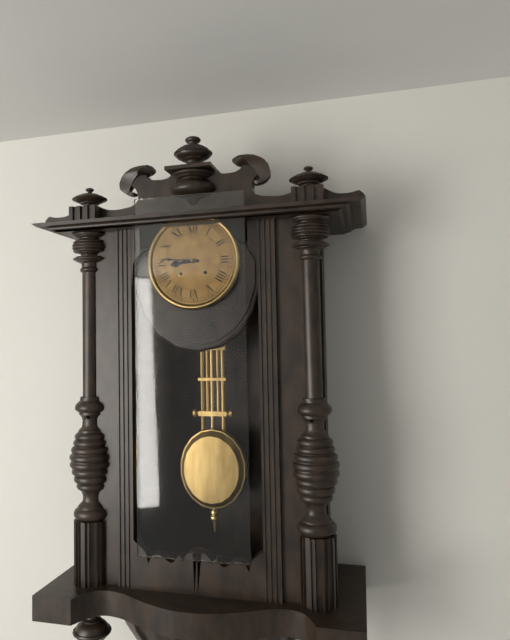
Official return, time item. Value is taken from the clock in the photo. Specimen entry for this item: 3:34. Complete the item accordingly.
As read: 8:46
